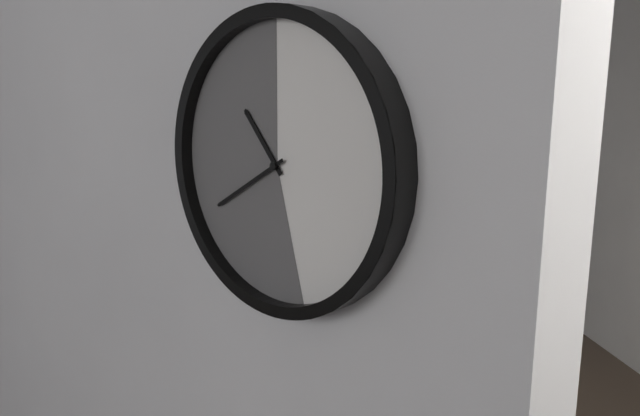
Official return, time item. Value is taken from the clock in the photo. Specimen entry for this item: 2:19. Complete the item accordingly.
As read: 10:40
